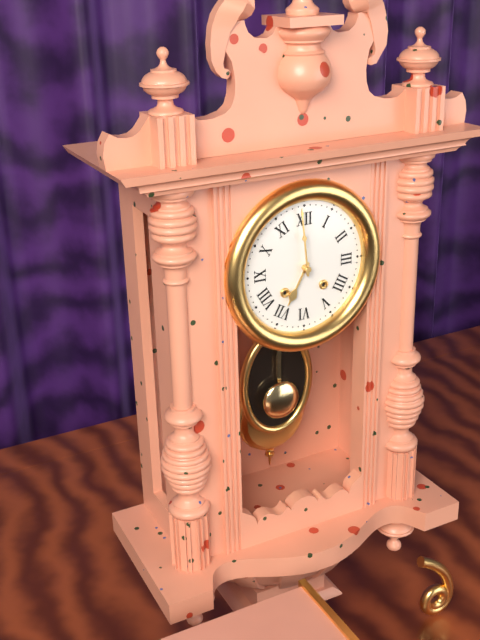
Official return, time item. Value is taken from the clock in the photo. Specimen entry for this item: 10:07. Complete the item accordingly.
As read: 6:59
